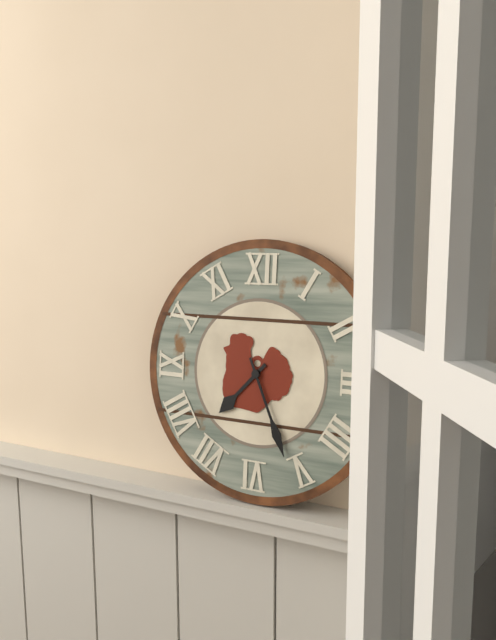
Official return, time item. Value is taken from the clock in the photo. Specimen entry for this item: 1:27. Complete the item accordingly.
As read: 7:26
